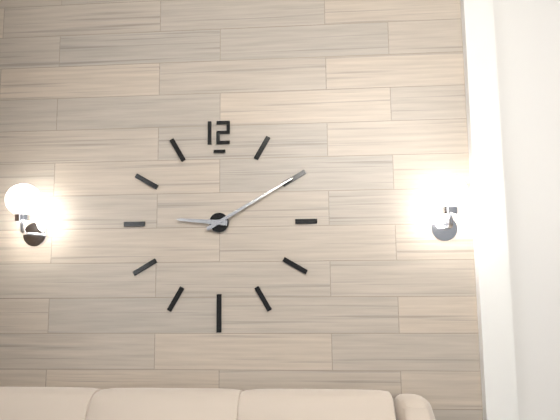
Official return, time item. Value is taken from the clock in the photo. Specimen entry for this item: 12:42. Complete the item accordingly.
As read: 9:10
